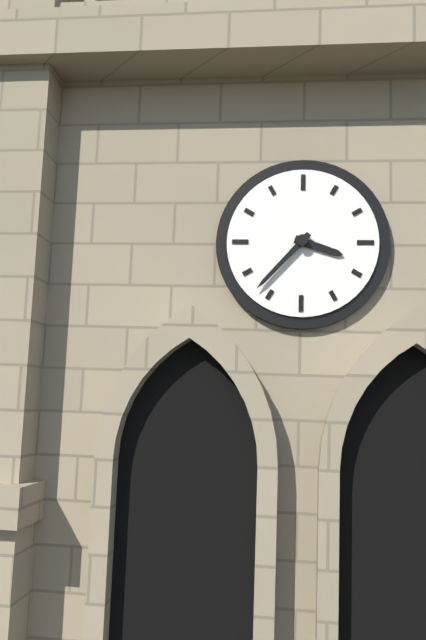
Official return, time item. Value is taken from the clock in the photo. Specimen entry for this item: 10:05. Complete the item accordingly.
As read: 3:37
